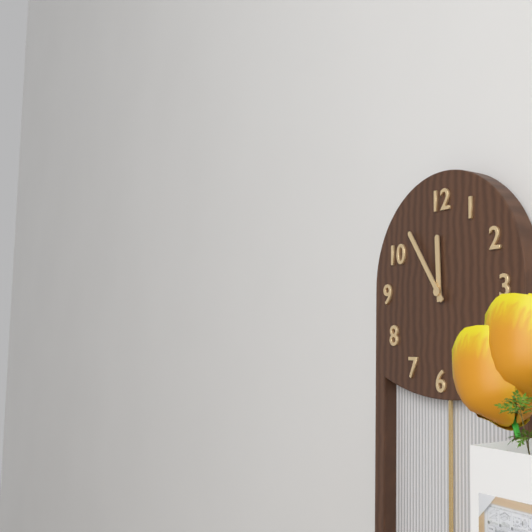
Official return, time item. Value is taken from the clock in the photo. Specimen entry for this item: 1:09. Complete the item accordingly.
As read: 11:54
